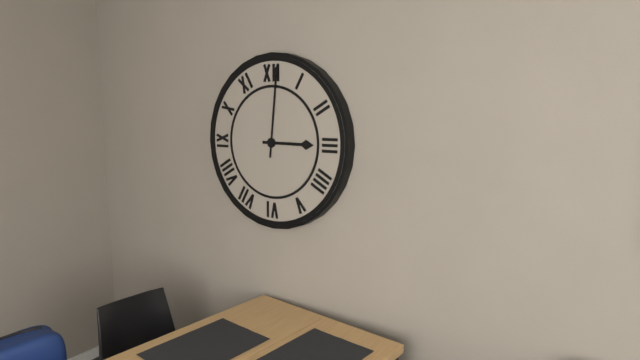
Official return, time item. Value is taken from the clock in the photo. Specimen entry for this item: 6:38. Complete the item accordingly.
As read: 3:01
